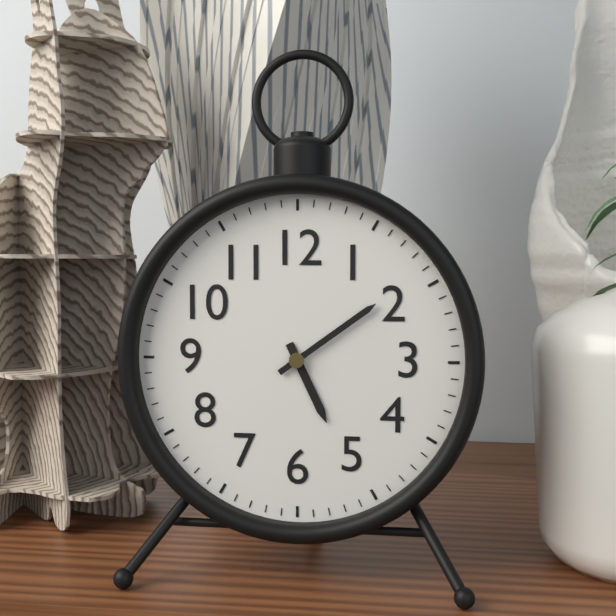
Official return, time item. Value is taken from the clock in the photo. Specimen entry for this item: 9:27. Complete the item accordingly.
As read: 5:09
